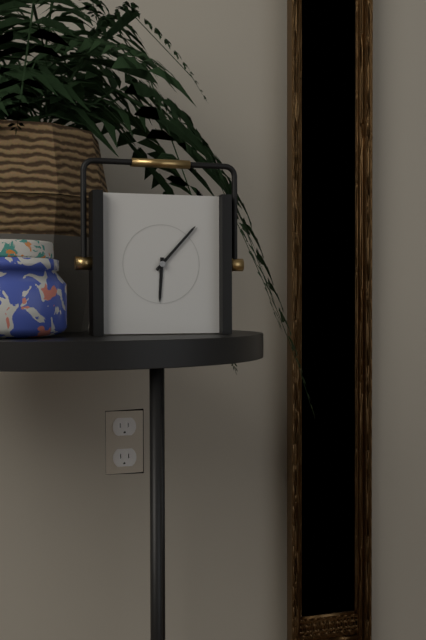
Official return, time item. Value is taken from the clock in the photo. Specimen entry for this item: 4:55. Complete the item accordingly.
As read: 6:07
